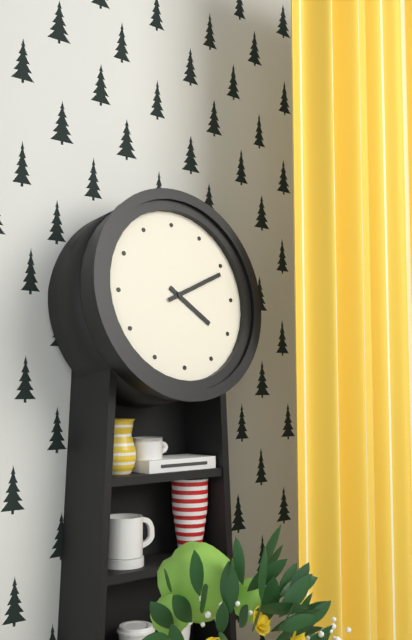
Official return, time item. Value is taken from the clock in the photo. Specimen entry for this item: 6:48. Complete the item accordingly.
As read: 4:11
